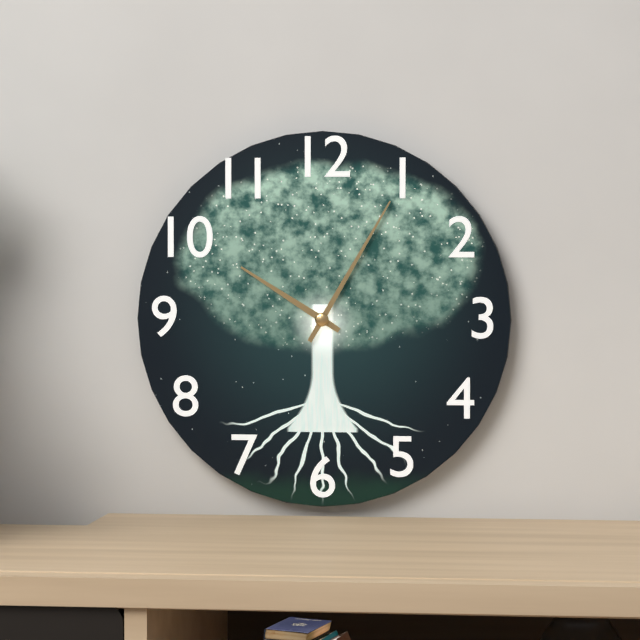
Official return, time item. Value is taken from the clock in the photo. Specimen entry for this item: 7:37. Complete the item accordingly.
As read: 10:05
